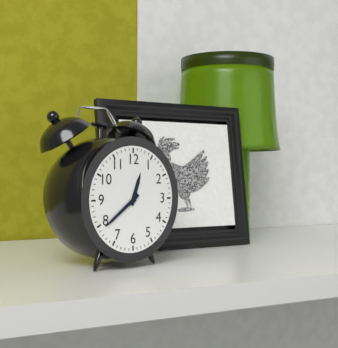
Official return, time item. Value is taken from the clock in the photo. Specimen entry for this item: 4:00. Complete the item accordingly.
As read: 12:39
